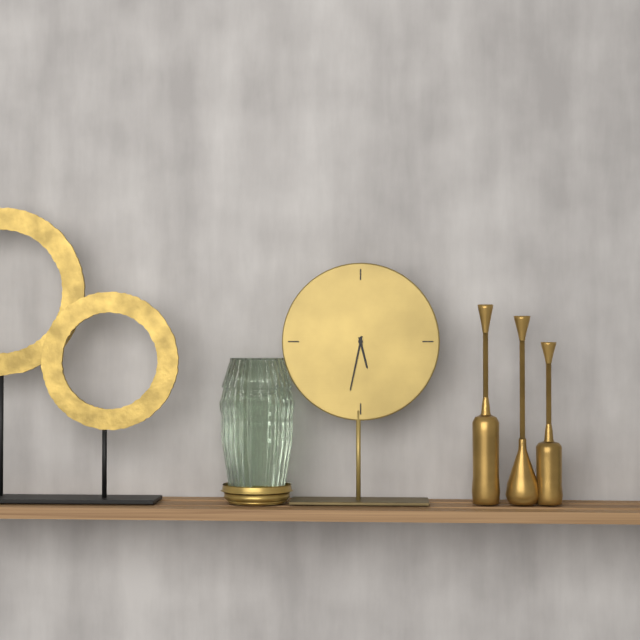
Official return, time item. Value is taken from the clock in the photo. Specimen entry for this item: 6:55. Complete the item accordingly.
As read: 5:32
